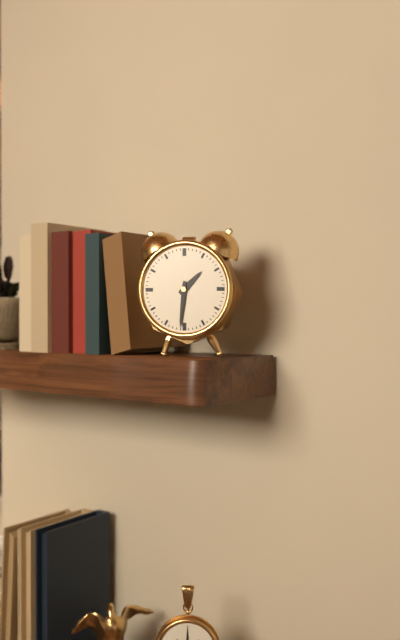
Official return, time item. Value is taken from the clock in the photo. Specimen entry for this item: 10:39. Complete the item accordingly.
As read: 1:31
